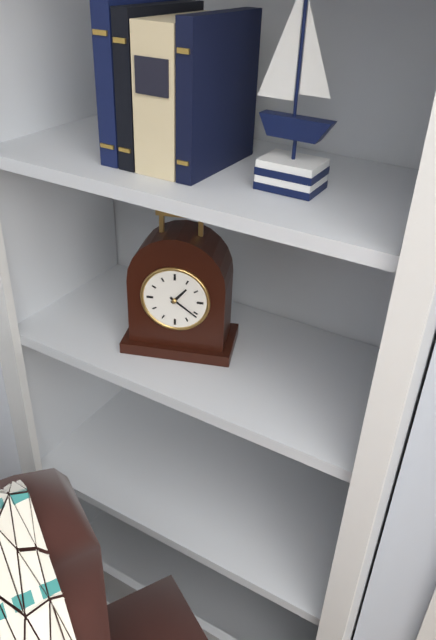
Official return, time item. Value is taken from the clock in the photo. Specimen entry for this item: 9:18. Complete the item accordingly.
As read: 1:21
